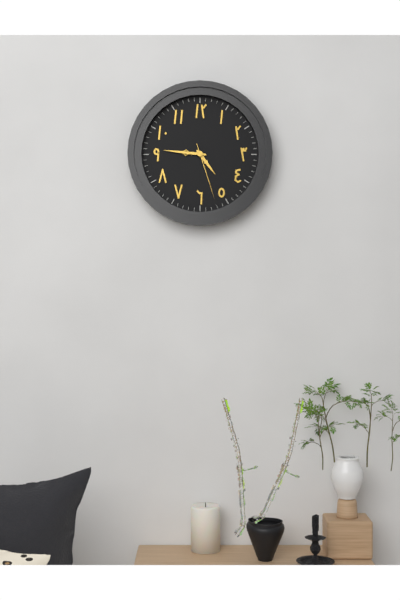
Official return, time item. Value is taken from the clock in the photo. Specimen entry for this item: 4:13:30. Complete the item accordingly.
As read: 4:46:27
